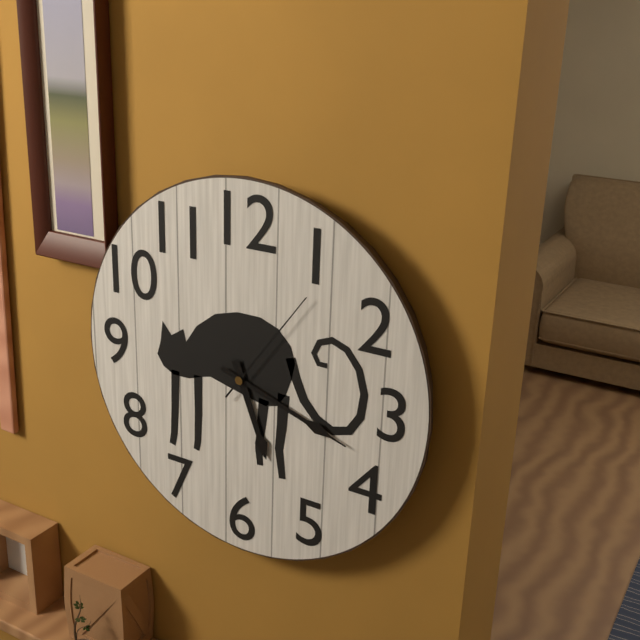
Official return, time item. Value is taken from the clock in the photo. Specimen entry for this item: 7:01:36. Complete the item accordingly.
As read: 5:18:06
